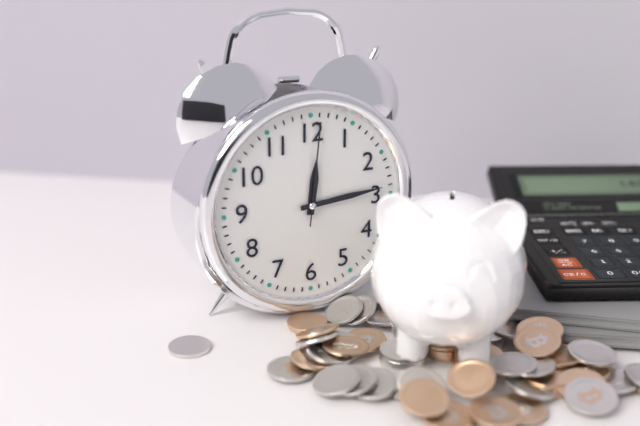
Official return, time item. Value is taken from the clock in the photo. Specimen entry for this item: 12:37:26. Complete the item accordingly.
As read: 12:14:01
